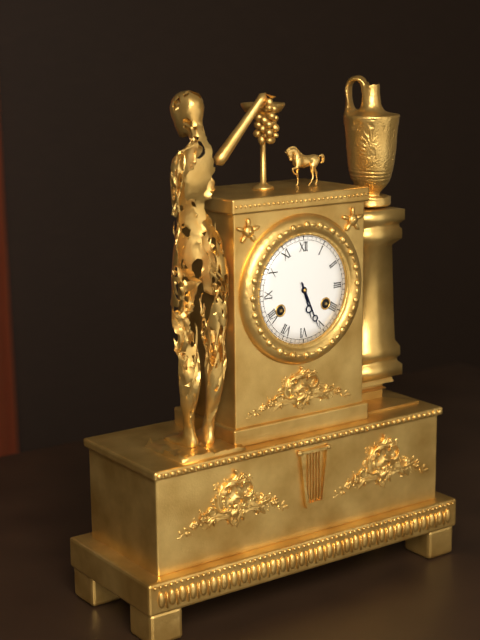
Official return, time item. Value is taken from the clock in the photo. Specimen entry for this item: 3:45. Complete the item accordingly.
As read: 5:26
